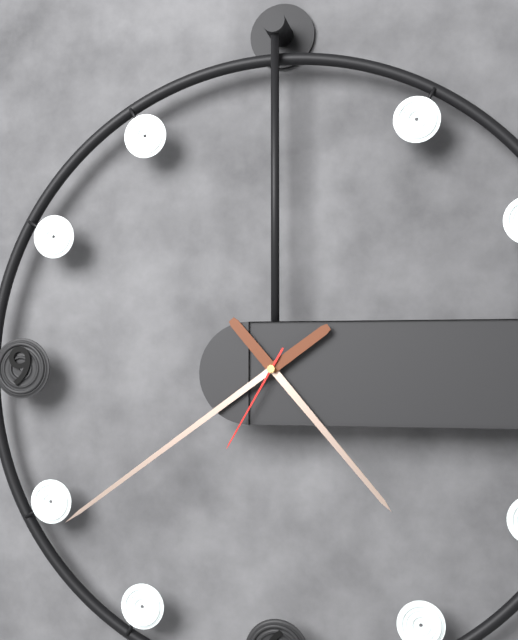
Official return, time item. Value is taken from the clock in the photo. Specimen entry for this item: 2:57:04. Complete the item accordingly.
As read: 4:39:35
